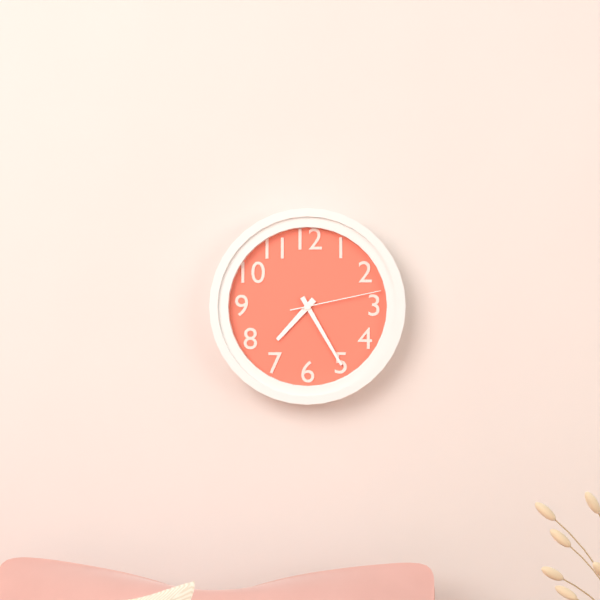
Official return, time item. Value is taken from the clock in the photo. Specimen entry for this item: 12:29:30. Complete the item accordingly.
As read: 7:25:13
